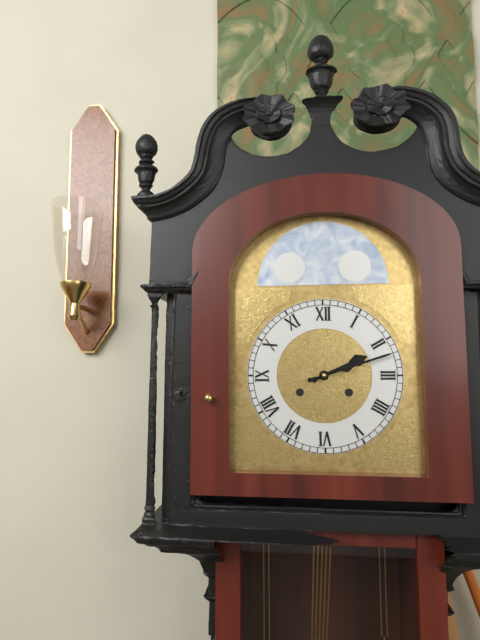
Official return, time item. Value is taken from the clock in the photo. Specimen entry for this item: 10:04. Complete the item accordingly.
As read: 2:12
